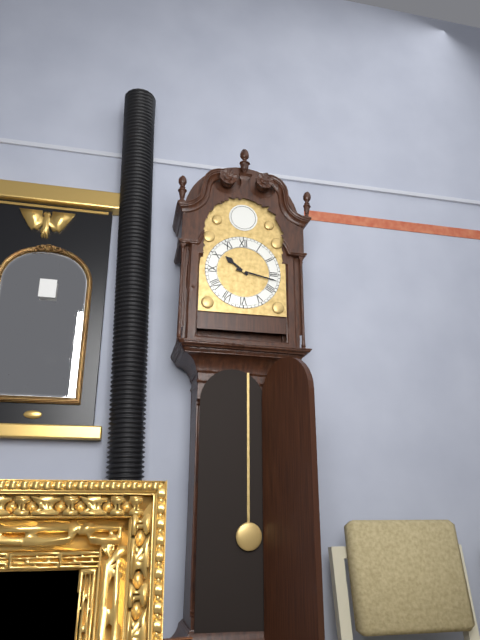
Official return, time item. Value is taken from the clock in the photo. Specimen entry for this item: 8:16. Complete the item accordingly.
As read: 10:17
